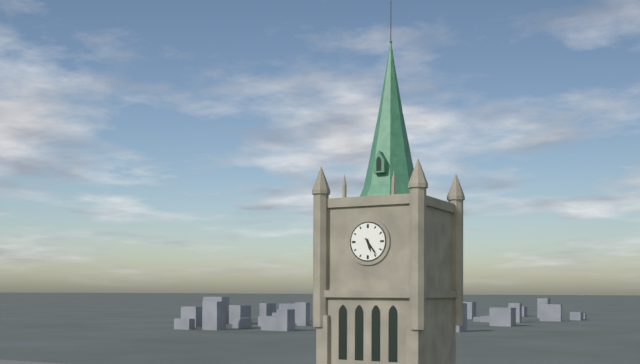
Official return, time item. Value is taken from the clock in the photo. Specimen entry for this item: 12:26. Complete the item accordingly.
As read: 5:24
